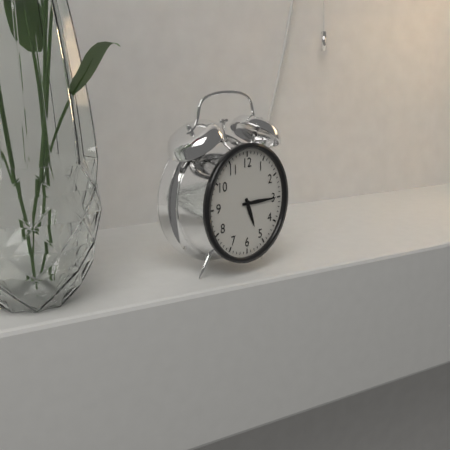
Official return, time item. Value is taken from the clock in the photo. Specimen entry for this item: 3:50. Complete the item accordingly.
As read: 5:15
